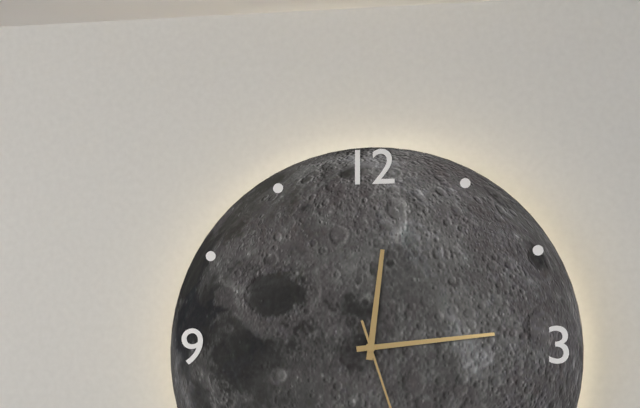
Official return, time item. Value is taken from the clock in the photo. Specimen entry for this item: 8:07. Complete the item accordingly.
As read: 12:14
